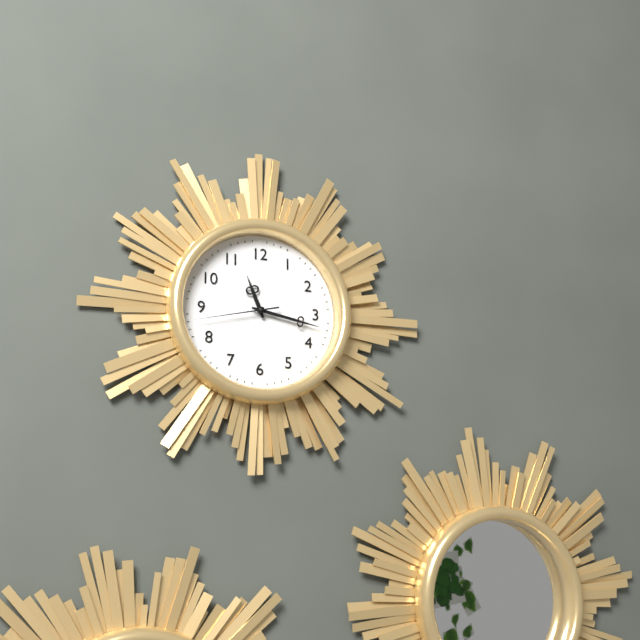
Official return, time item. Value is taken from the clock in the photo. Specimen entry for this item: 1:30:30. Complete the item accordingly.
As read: 11:17:43
